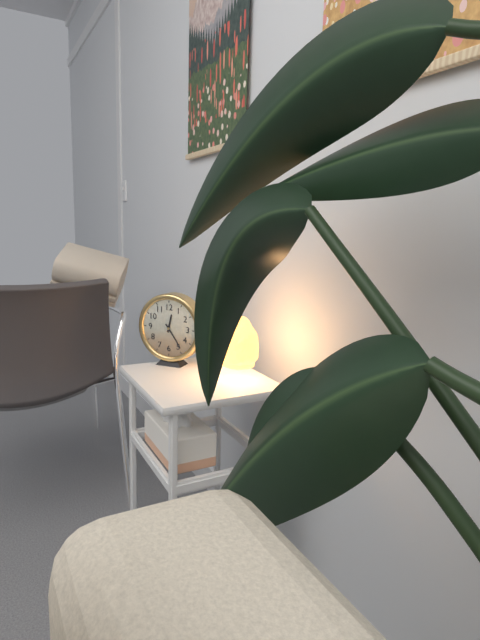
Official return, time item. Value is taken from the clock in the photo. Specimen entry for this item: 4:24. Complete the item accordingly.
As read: 12:24
